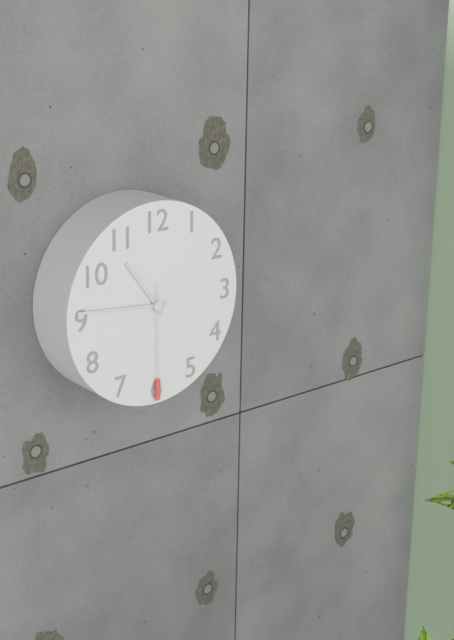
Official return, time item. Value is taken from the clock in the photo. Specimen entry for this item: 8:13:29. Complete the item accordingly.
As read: 10:46:30
